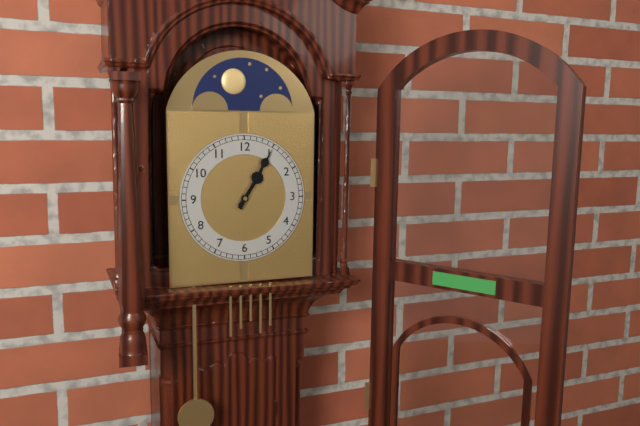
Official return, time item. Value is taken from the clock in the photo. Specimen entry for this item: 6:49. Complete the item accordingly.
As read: 1:05
